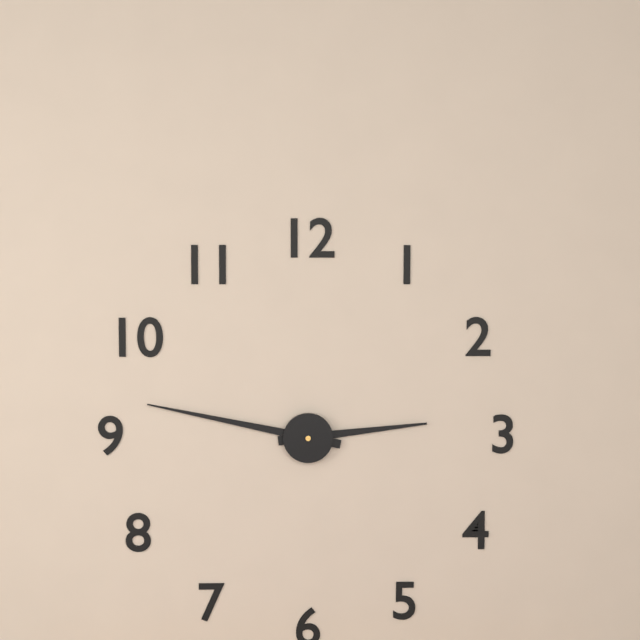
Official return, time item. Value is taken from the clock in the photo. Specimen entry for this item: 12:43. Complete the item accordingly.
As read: 2:47
